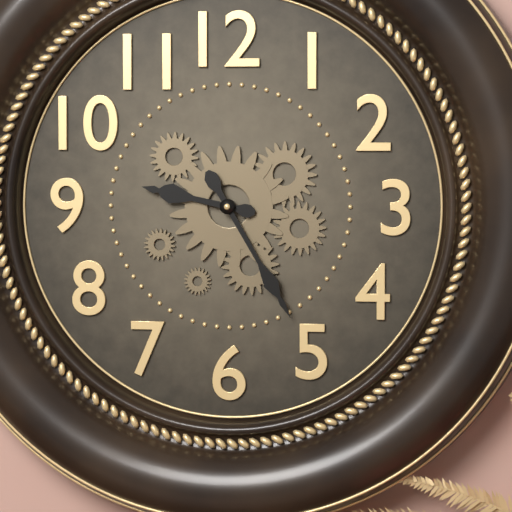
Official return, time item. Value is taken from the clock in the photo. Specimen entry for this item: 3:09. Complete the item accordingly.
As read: 9:25
